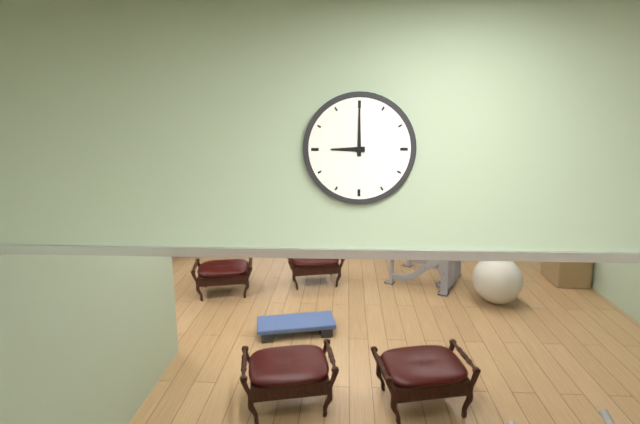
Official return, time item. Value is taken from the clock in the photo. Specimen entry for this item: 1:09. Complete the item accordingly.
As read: 9:00
